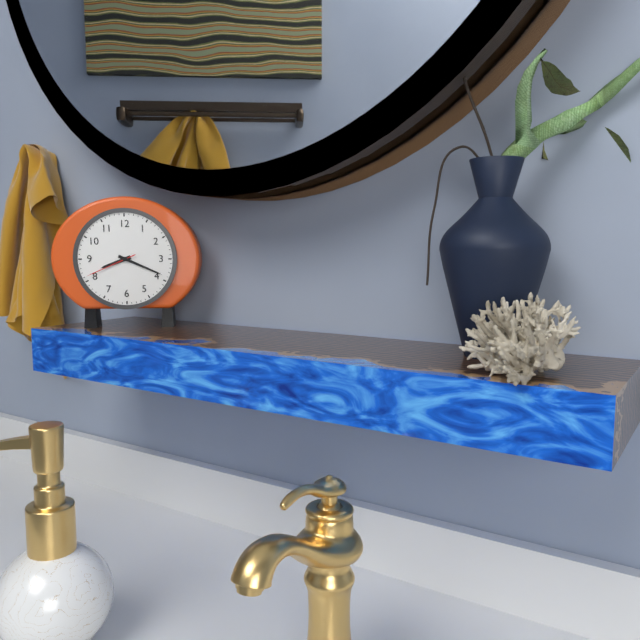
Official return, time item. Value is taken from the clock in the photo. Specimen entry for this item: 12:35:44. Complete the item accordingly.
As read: 8:19:41
